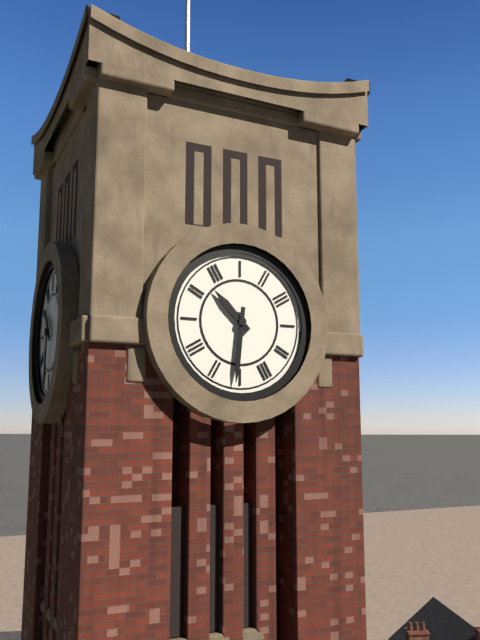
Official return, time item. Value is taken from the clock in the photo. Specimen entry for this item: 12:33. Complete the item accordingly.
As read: 10:31
